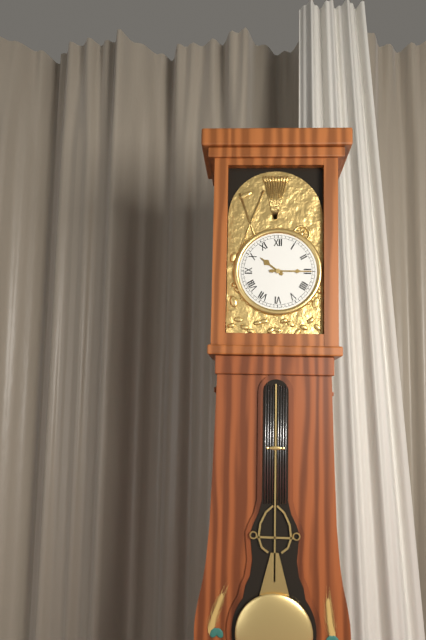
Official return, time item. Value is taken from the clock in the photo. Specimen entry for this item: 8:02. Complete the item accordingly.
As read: 10:15
